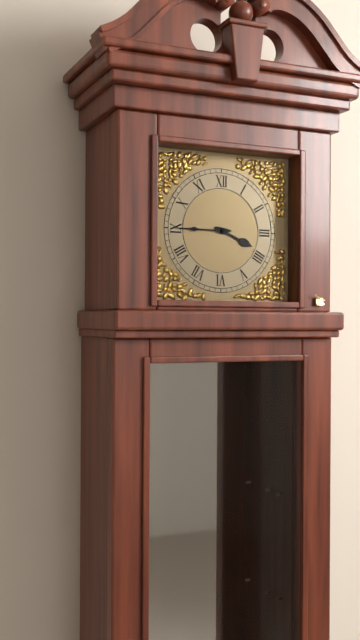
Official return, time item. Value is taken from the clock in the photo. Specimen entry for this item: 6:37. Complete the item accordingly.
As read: 3:45
